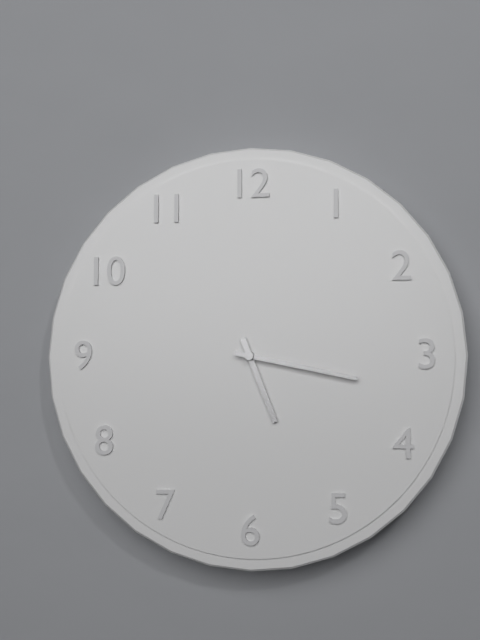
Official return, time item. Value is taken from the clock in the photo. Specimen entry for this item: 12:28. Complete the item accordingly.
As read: 5:17
